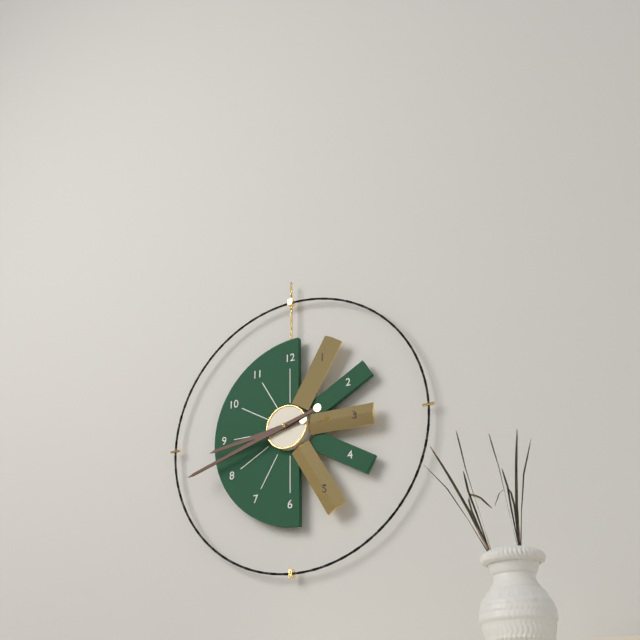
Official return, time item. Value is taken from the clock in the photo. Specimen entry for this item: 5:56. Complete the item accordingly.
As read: 8:42
